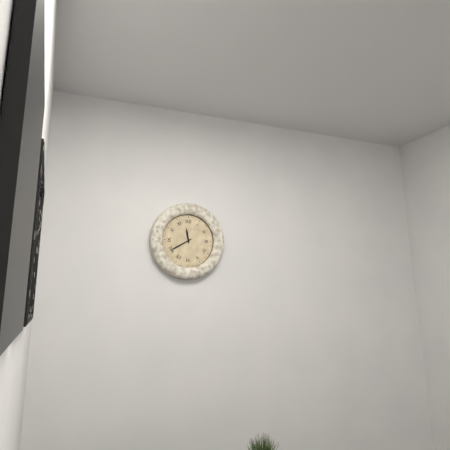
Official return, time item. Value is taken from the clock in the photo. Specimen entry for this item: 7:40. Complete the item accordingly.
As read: 11:40
